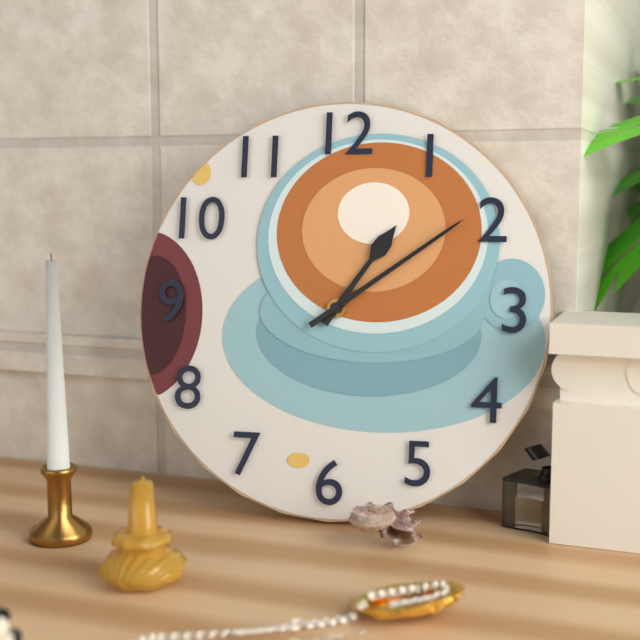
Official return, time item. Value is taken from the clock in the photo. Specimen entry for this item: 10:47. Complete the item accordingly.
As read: 1:09
